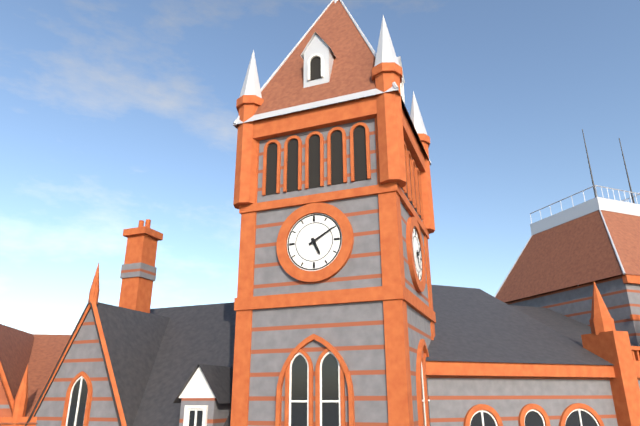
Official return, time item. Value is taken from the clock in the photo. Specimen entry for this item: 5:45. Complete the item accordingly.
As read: 5:10
